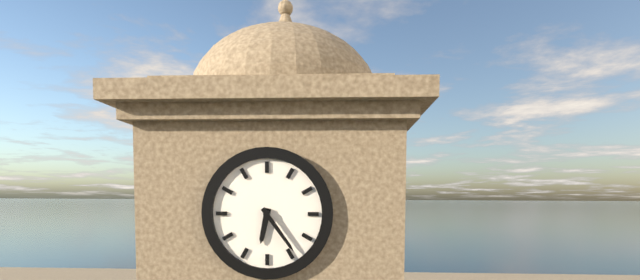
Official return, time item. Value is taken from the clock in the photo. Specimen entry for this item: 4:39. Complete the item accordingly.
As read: 6:24
